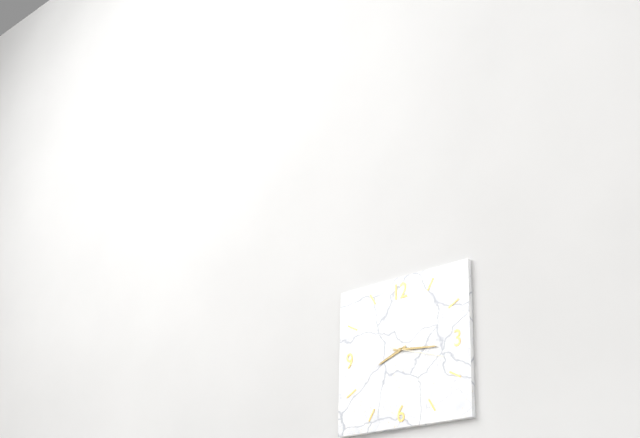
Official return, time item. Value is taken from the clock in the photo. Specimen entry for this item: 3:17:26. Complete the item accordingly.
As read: 8:16:18
